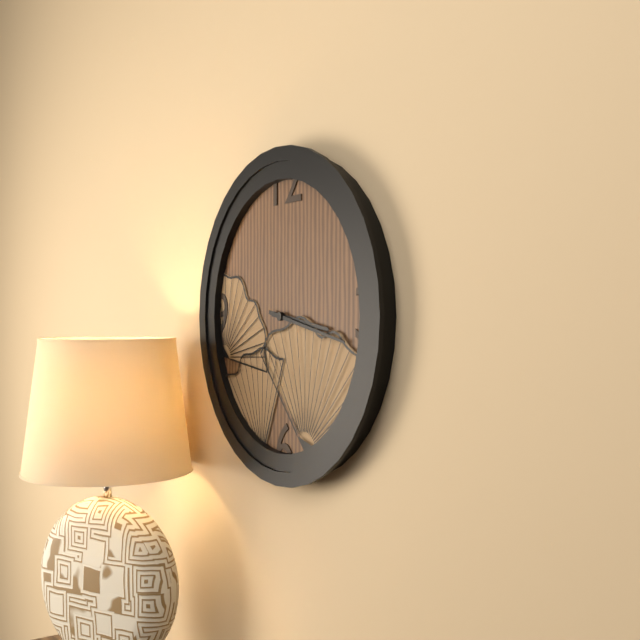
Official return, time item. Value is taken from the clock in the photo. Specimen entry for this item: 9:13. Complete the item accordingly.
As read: 3:17
